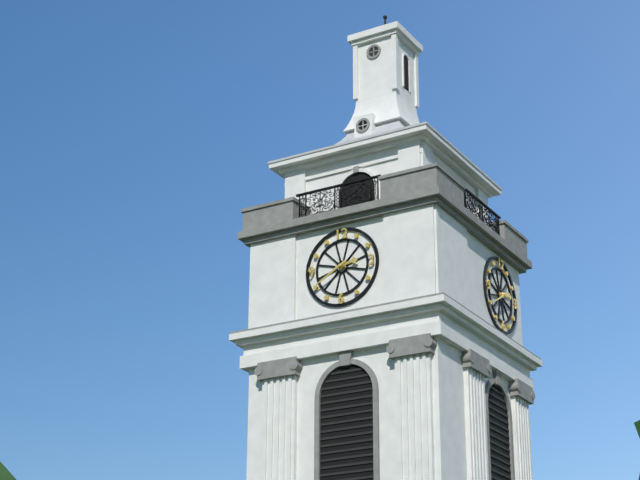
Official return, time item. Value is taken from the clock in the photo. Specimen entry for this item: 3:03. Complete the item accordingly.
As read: 2:40
